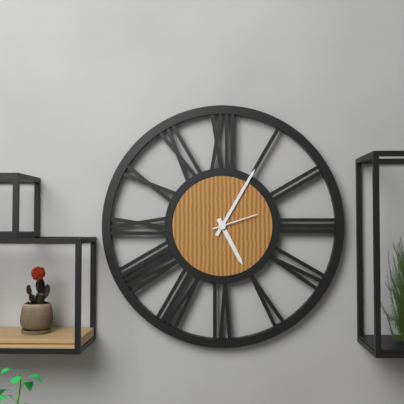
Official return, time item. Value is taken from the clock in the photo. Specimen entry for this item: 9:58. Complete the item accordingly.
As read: 5:05
